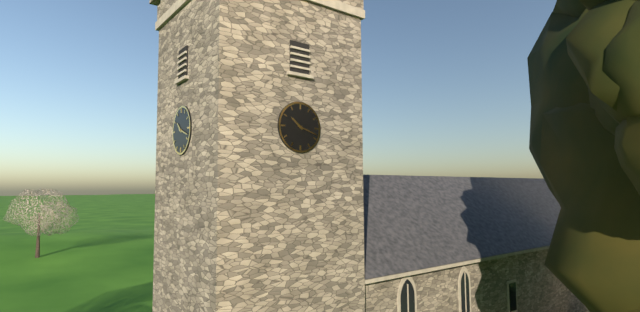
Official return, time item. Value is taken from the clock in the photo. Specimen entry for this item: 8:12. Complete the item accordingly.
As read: 10:18
